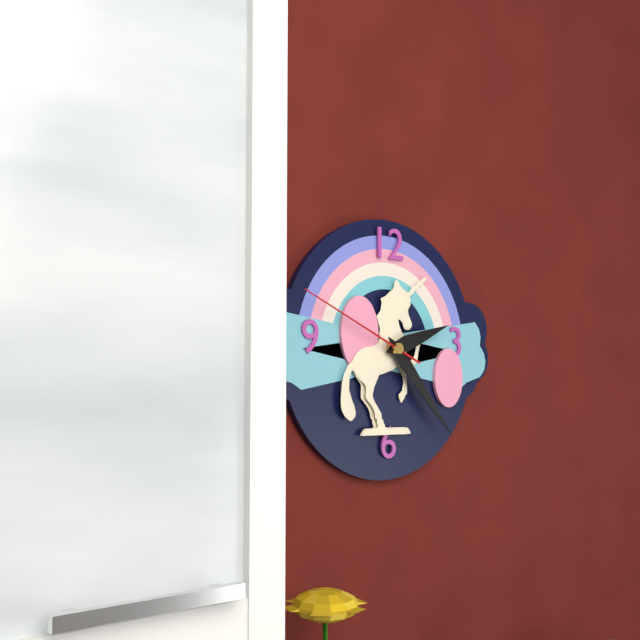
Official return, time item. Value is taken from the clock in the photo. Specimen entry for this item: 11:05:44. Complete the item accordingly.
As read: 2:23:49
